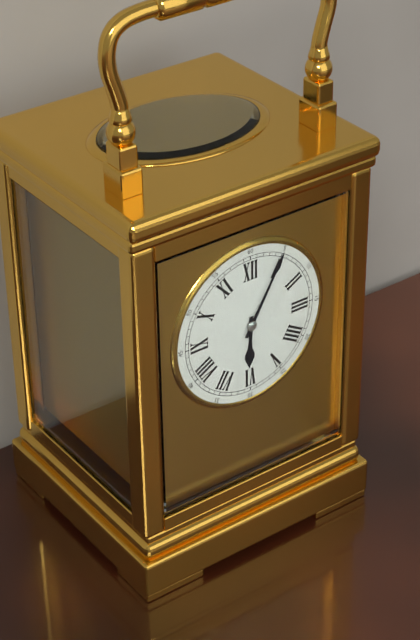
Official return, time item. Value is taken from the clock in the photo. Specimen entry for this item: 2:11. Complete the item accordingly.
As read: 6:05
